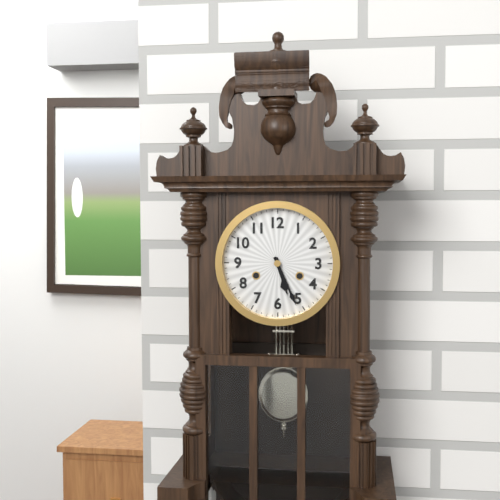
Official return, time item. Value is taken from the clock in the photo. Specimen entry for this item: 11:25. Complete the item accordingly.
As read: 5:26
